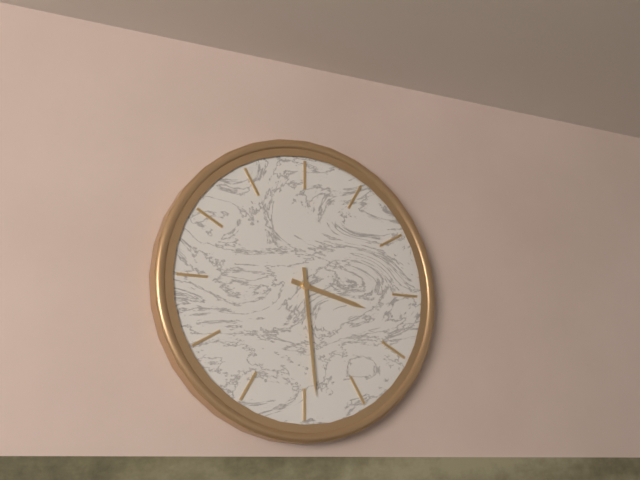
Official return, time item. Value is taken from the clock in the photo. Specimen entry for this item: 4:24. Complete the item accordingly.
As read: 3:29
